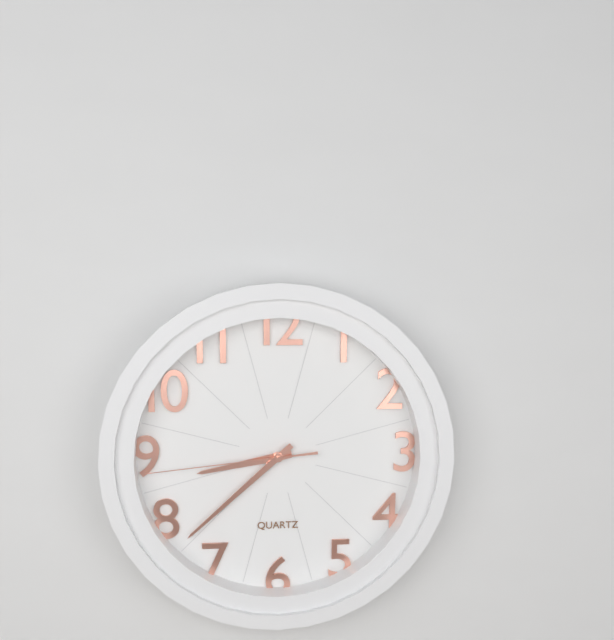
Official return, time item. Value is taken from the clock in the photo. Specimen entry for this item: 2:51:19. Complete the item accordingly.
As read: 8:38:44
